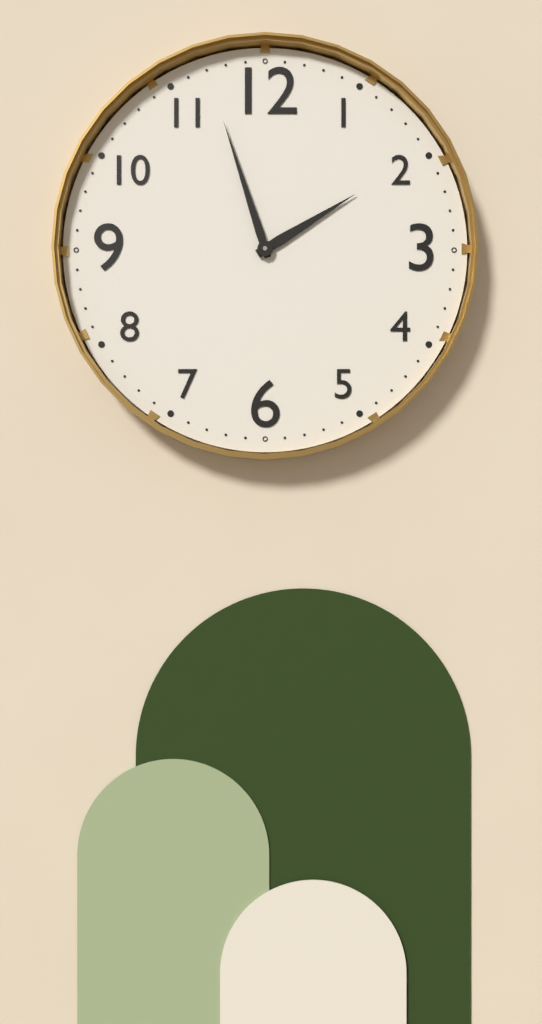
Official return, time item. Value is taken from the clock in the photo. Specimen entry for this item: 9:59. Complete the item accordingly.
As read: 1:57
